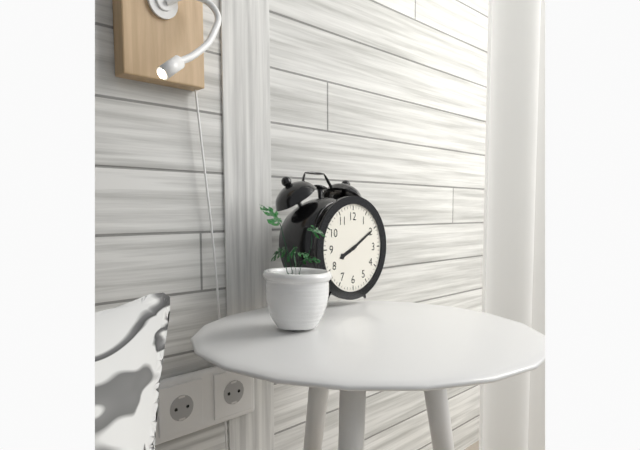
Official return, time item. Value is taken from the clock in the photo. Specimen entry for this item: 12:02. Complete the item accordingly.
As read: 8:10
